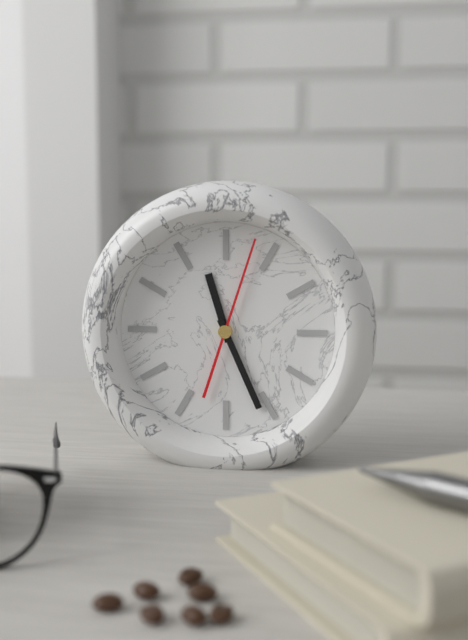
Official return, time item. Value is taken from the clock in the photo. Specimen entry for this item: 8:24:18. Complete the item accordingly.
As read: 11:26:03
